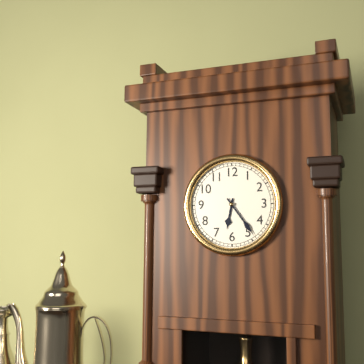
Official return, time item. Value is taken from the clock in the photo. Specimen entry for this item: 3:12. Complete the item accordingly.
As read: 6:24
